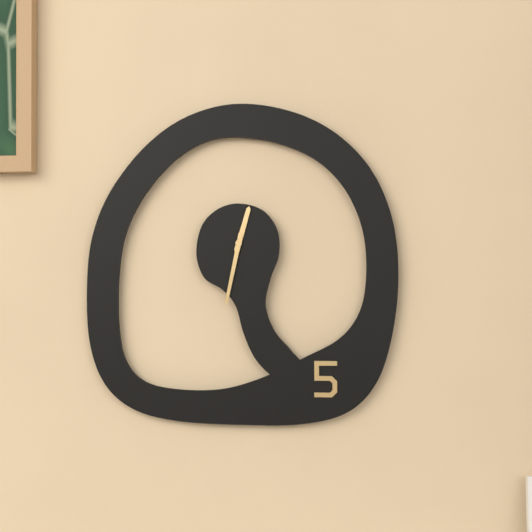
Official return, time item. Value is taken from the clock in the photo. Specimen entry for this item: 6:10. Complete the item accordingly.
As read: 12:32
